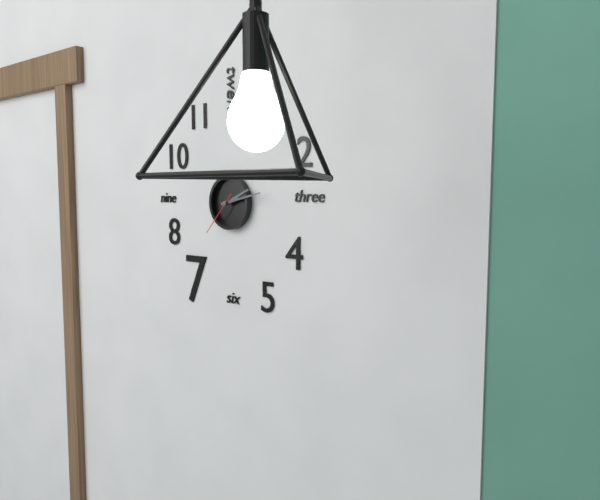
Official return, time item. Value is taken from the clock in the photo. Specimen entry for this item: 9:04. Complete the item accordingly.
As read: 2:13
